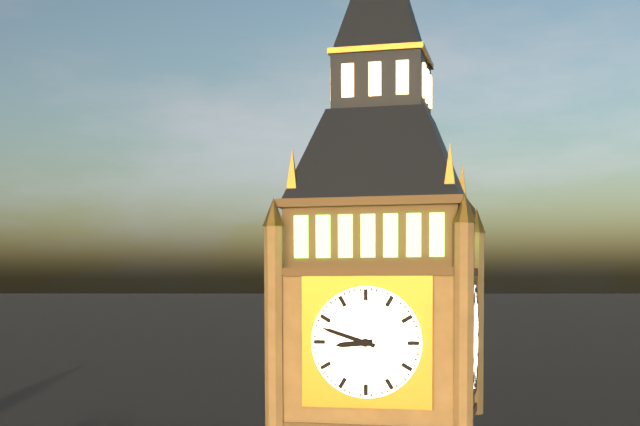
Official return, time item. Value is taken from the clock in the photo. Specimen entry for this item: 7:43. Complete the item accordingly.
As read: 8:48
